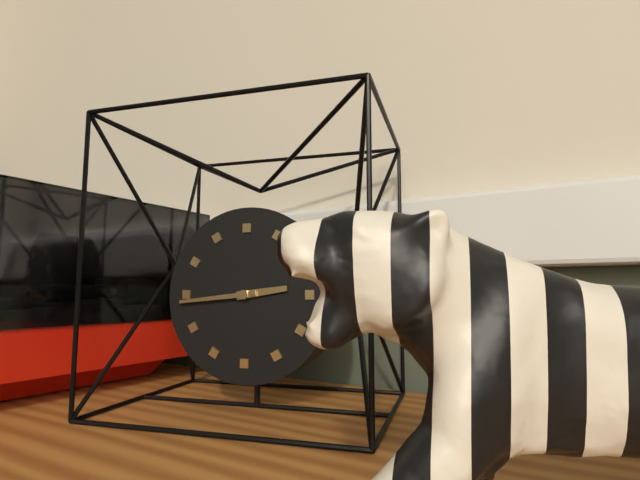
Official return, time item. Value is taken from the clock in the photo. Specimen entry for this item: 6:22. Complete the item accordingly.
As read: 2:44
